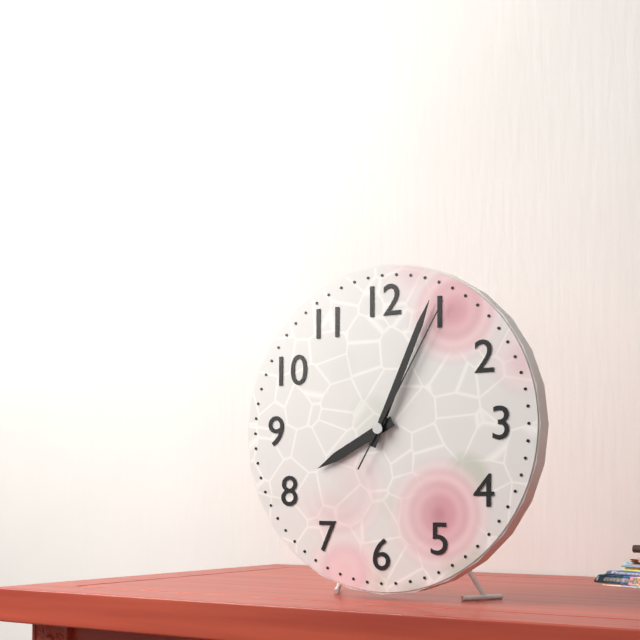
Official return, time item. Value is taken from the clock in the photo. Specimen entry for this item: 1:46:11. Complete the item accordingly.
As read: 8:04:05
